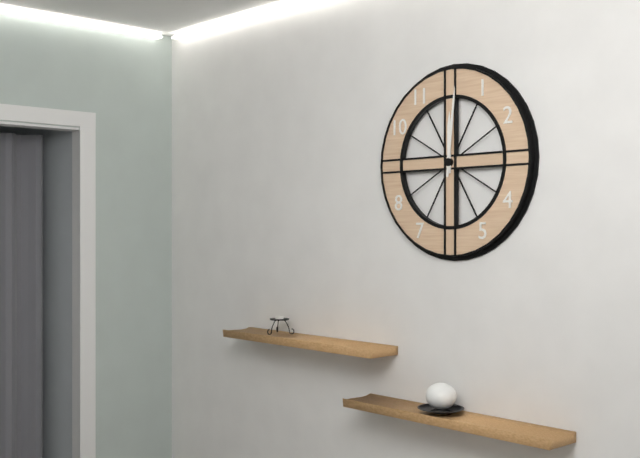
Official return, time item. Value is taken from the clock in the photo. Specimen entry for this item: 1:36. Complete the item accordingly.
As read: 12:01
